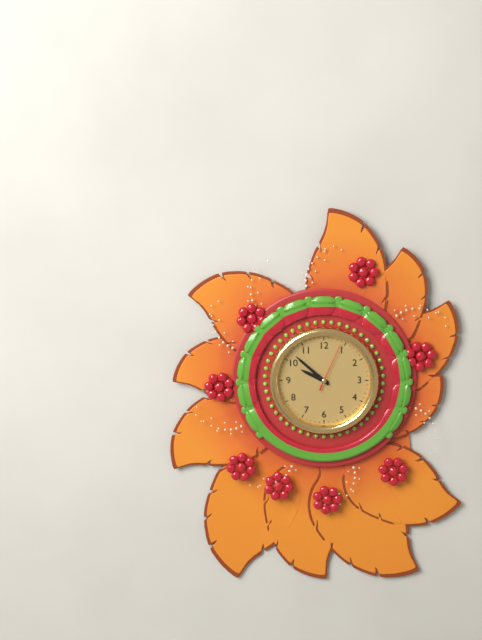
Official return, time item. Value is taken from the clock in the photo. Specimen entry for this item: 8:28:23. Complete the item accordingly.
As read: 9:52:04
